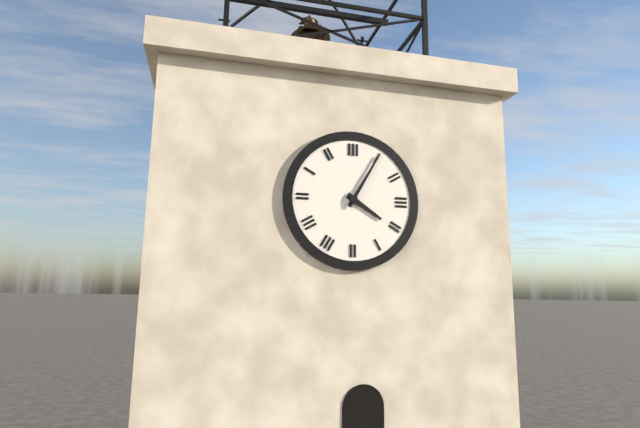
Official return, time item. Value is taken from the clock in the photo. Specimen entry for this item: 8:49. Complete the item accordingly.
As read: 4:05
